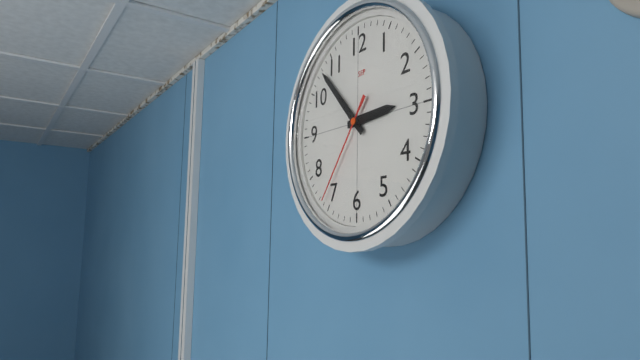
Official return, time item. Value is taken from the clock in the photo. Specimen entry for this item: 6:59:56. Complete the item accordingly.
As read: 2:53:36
